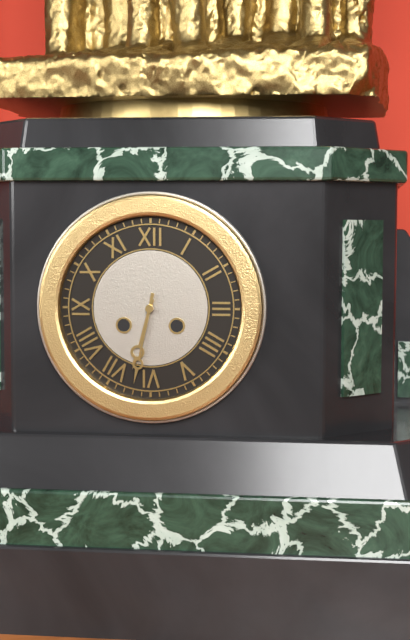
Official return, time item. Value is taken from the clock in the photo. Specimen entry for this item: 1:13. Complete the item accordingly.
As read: 6:32
